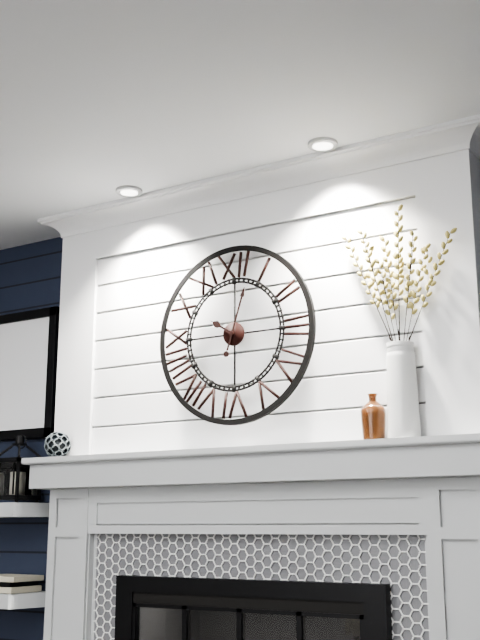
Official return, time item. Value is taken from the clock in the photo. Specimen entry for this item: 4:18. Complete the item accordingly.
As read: 10:03
